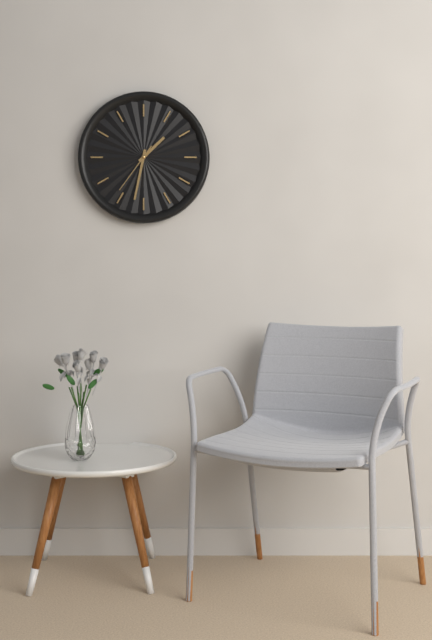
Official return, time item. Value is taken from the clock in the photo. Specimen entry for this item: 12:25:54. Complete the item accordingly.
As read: 1:32:36
